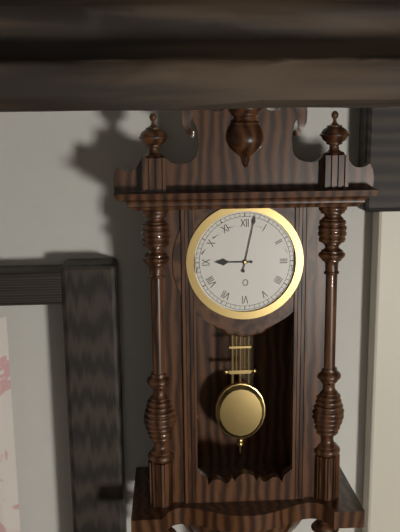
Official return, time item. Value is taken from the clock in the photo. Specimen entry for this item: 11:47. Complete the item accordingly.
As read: 9:02
